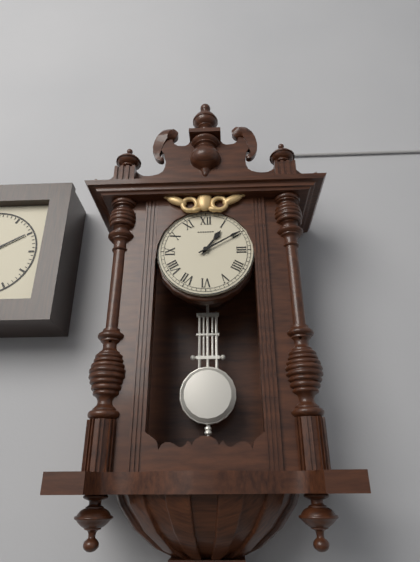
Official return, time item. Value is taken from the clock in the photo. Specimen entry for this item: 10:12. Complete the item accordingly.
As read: 1:10
